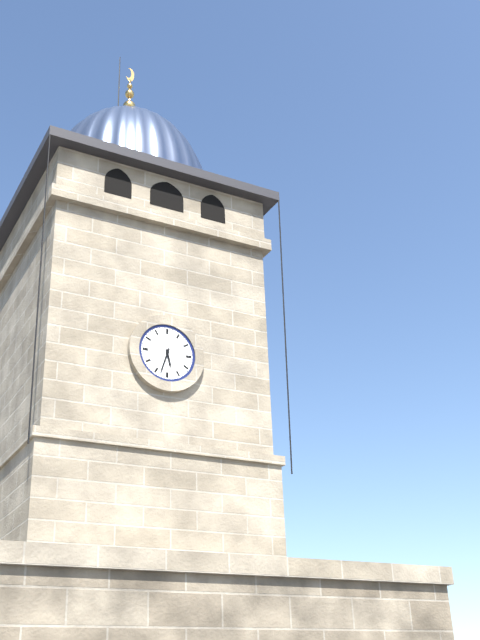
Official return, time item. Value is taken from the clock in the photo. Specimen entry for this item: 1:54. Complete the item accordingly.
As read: 5:33
